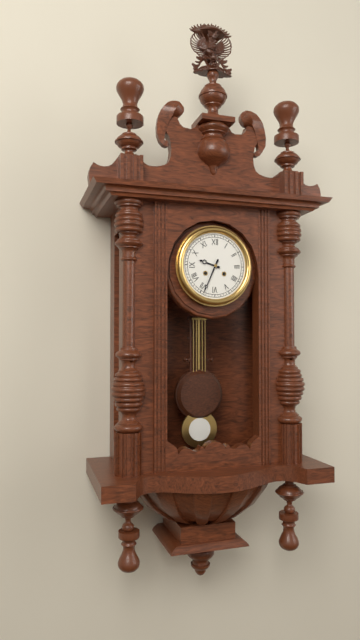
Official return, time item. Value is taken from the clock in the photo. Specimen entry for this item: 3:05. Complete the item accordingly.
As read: 9:34
